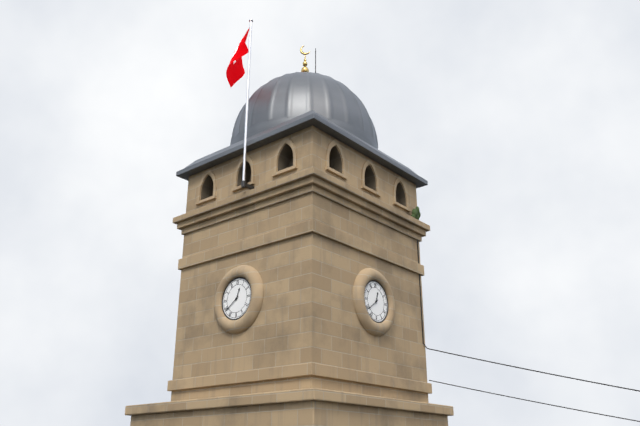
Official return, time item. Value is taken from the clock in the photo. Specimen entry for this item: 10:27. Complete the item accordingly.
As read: 12:39
